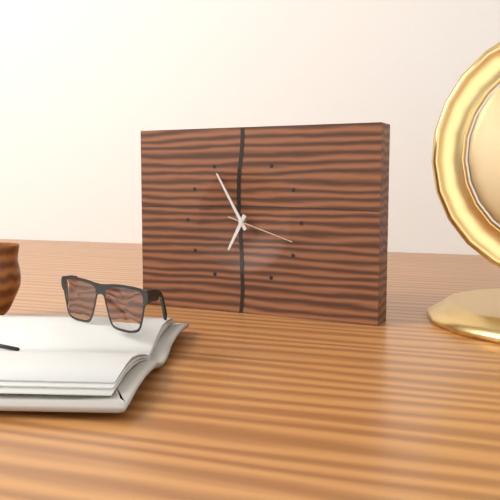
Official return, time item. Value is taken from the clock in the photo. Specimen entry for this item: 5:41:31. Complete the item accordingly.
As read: 6:55:18
